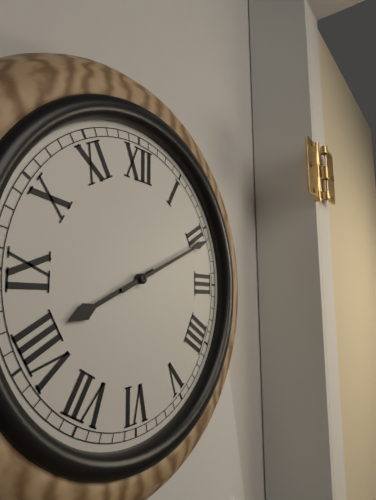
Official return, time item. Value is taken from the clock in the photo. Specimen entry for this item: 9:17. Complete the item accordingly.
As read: 8:11
